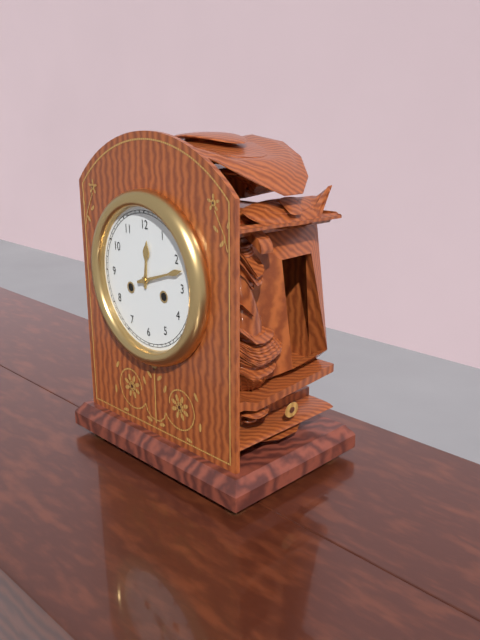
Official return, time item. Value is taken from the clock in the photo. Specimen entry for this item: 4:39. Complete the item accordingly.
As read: 12:12
